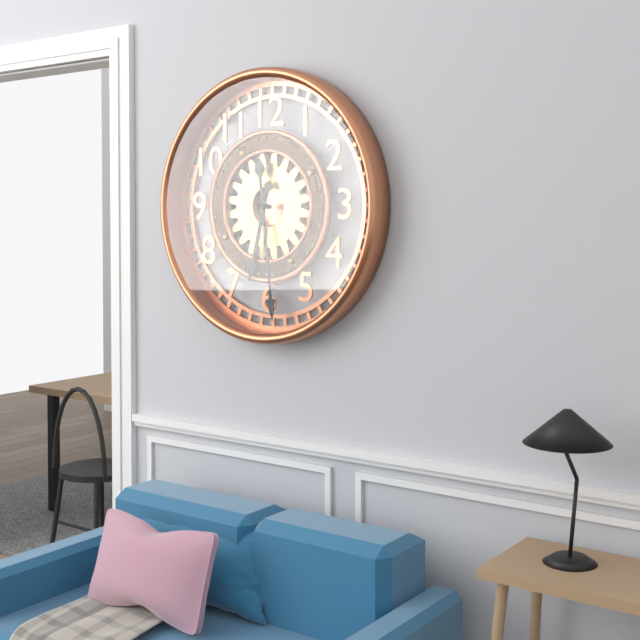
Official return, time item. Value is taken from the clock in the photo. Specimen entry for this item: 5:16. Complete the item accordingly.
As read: 6:29
